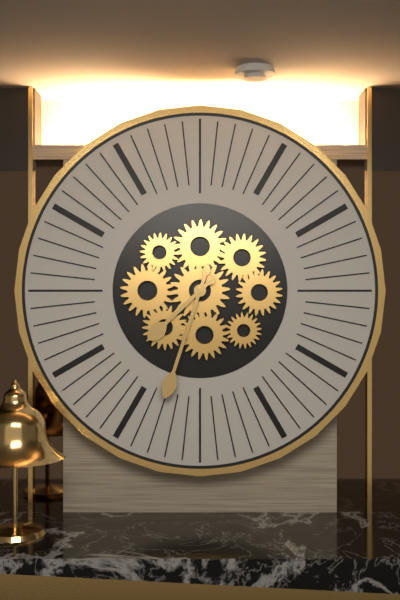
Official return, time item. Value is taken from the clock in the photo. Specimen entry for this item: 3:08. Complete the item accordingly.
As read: 7:33
